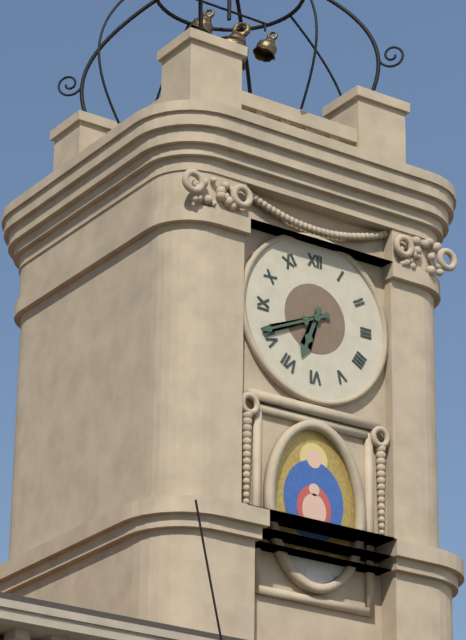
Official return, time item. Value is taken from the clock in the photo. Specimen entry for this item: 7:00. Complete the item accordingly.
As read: 6:41
